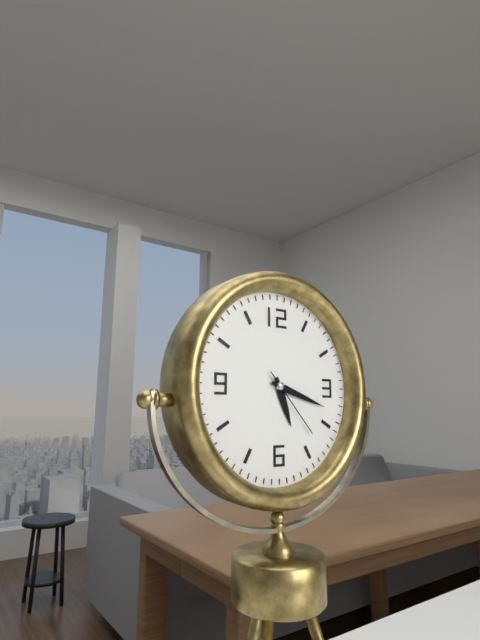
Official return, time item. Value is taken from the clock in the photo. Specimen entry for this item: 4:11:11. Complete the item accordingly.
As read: 5:18:23
